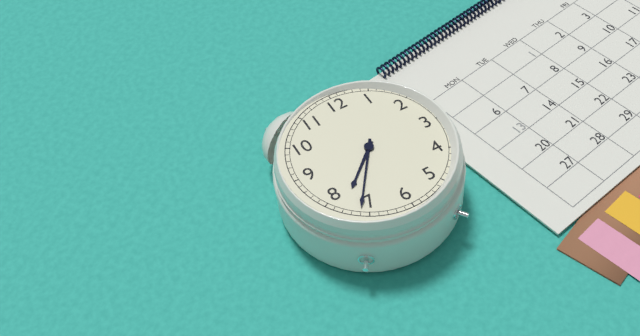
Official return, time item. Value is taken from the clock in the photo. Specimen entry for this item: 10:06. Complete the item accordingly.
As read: 7:36
